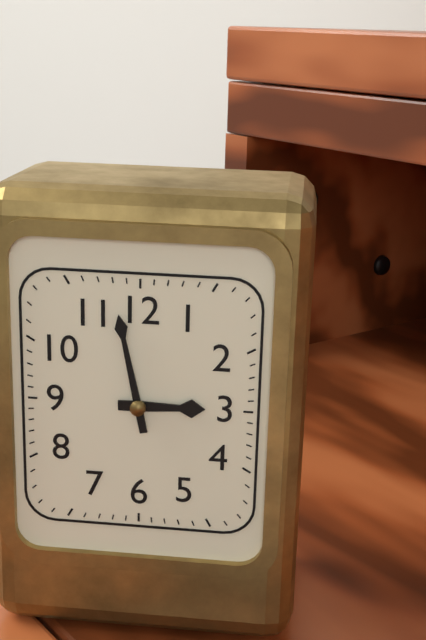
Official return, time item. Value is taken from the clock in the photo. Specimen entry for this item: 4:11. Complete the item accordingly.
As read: 2:58
